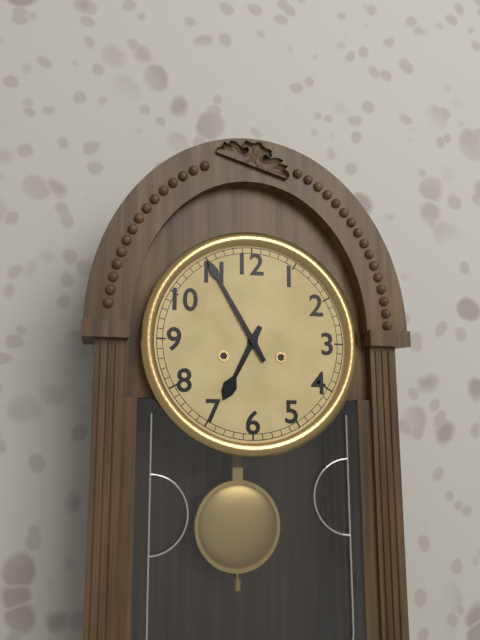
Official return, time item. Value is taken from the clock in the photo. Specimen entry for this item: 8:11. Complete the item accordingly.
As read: 6:55
